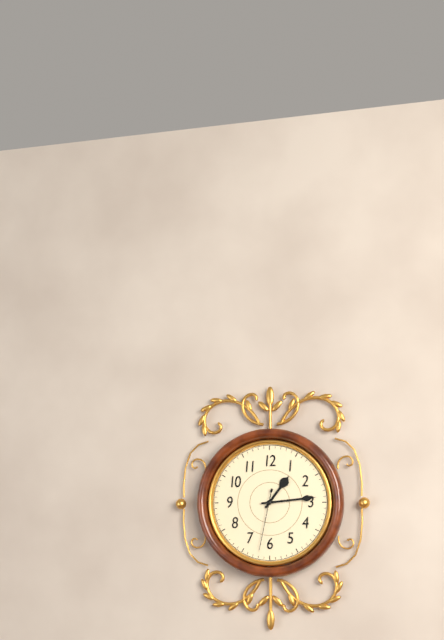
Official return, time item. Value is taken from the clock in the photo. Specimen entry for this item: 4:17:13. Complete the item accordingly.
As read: 1:14:32
